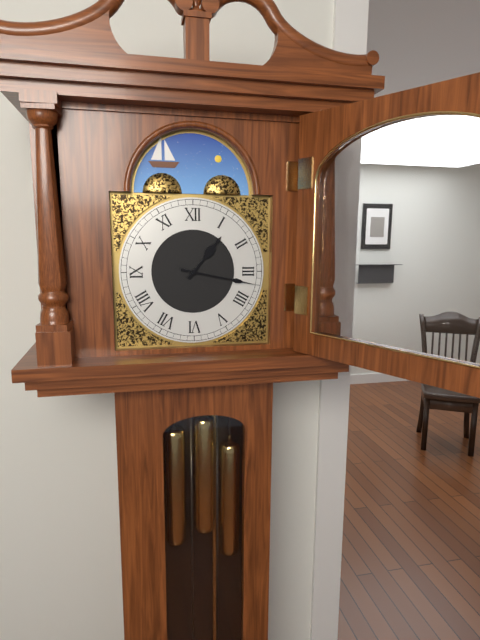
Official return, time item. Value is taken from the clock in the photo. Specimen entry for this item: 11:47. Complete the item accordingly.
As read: 1:17
